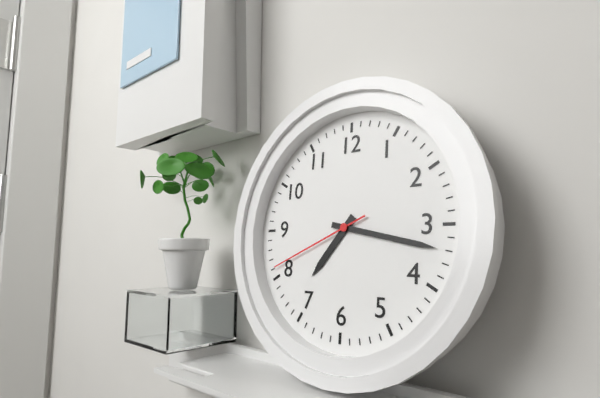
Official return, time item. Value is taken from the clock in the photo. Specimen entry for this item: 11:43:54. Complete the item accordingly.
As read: 7:17:41
